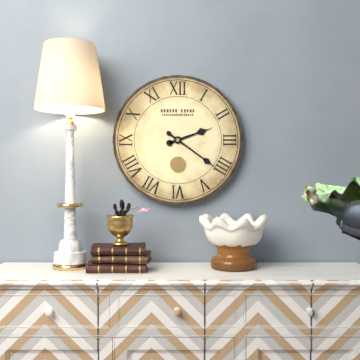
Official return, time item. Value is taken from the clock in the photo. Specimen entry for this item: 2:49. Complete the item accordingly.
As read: 2:21
